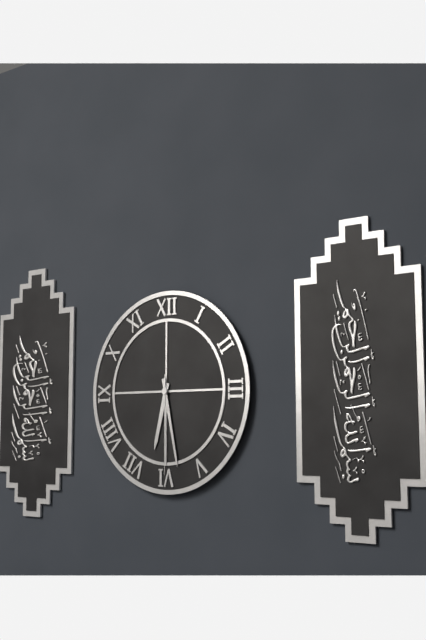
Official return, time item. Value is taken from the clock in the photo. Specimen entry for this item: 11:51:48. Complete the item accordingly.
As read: 6:28:30
